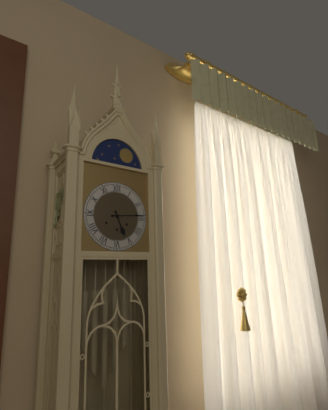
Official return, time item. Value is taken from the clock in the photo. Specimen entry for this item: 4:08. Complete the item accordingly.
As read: 5:14
